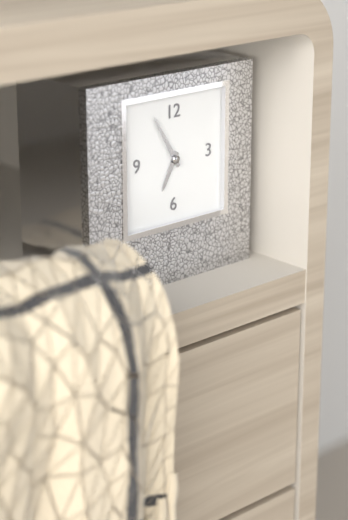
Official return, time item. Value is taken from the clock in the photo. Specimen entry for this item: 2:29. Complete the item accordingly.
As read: 6:55
